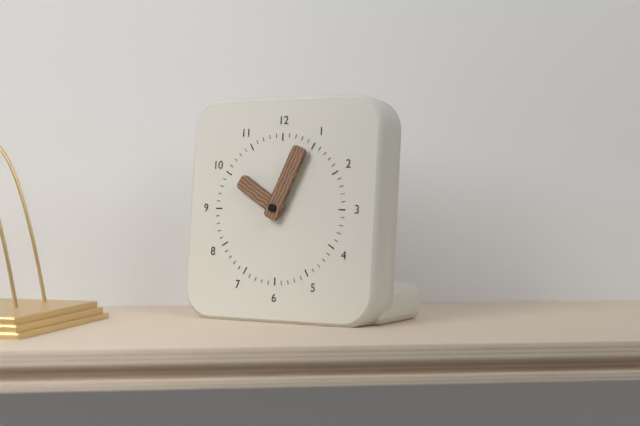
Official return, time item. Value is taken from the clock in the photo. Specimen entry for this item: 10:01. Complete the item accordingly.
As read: 10:04
